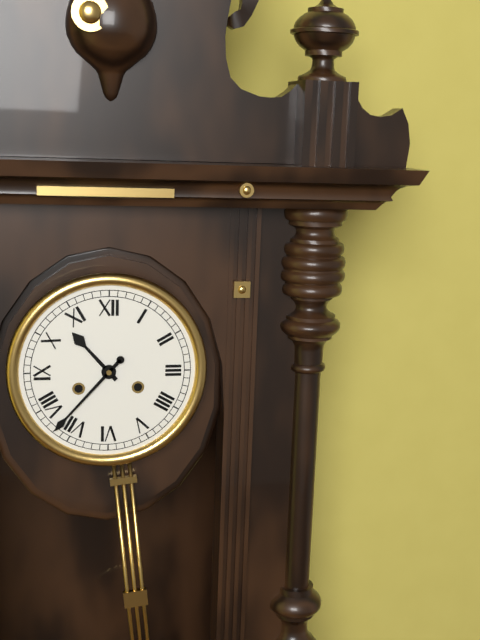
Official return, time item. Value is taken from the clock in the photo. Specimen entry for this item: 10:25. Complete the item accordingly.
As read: 10:37
